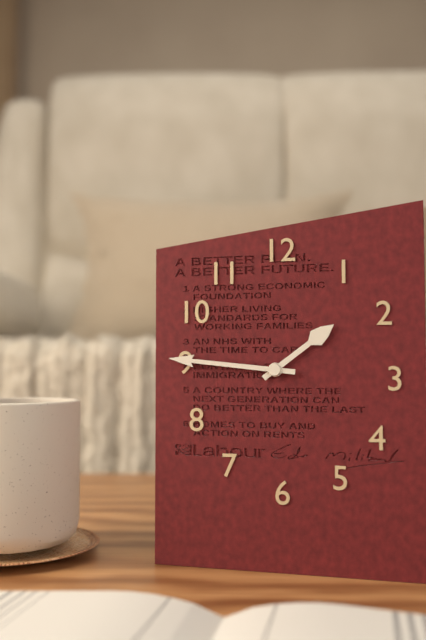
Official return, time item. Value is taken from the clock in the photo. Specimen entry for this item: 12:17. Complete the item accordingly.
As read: 1:46
